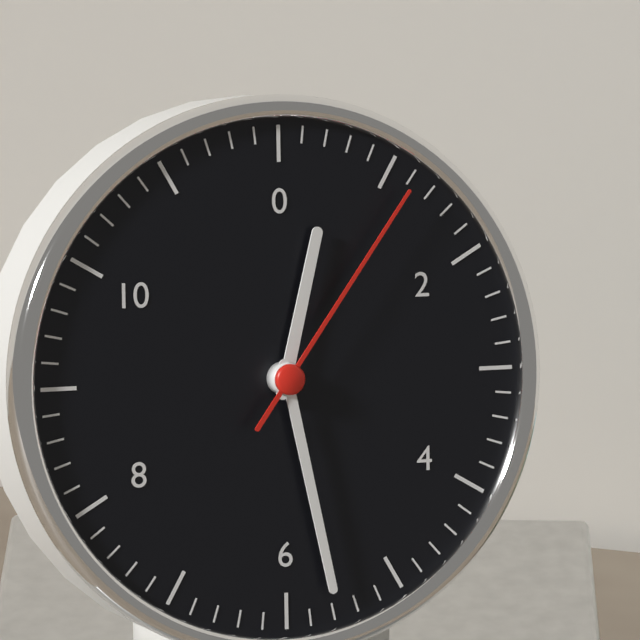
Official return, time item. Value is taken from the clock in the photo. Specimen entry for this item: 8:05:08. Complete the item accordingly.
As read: 12:28:06
